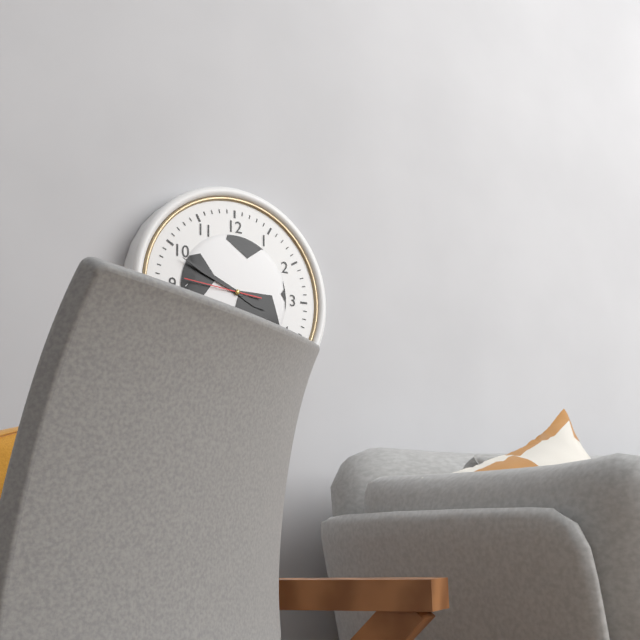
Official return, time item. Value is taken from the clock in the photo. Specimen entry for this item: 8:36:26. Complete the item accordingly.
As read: 3:49:46
